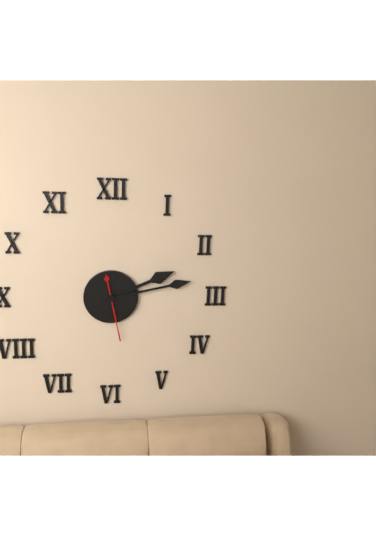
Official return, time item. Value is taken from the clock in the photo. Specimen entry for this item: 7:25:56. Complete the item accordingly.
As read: 2:13:28
